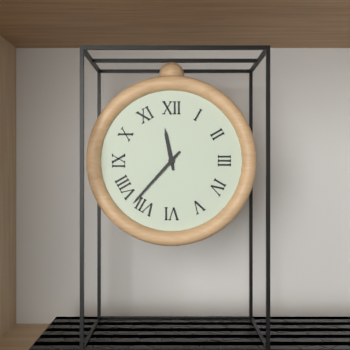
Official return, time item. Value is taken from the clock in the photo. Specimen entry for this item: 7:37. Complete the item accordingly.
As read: 11:37
